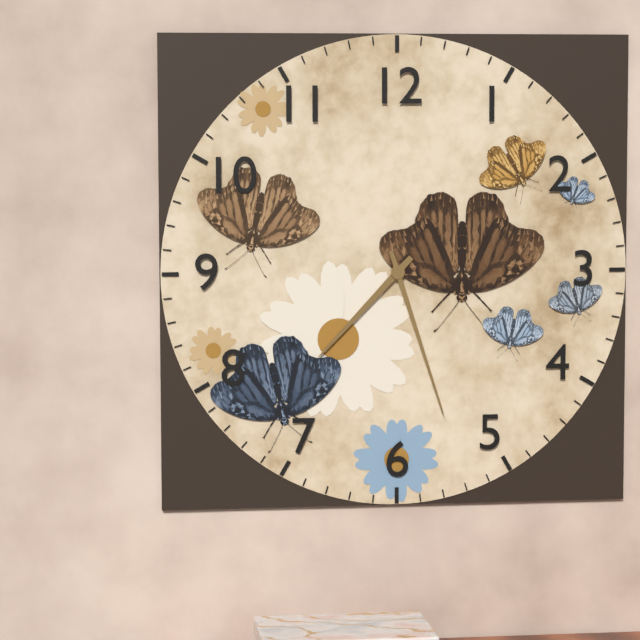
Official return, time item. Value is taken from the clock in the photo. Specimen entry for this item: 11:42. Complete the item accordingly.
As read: 7:27
